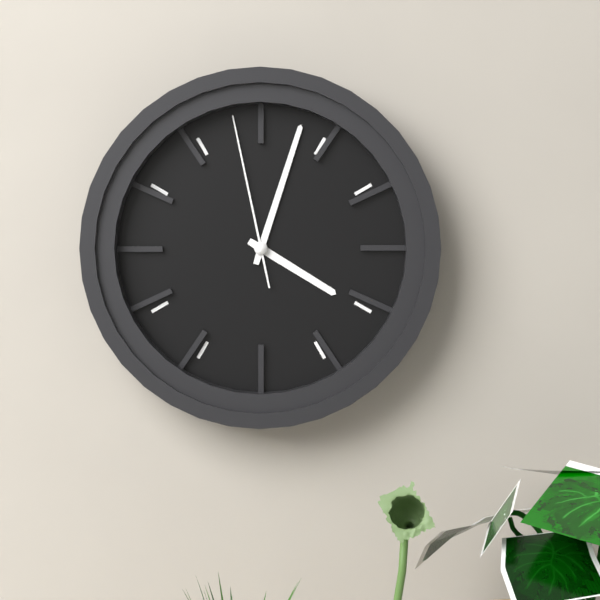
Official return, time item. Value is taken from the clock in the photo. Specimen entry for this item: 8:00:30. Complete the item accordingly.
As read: 4:03:58
